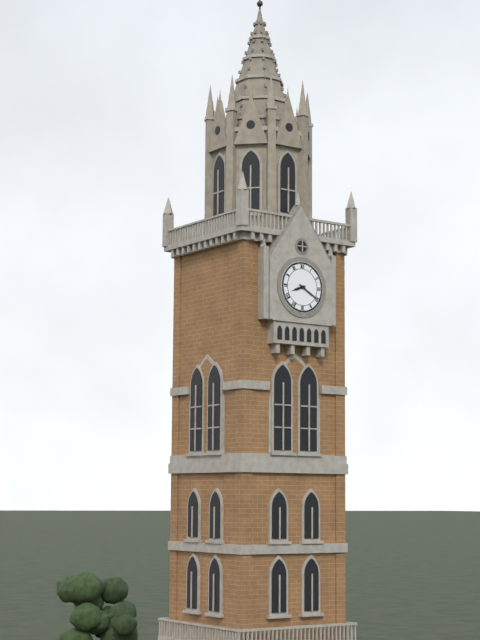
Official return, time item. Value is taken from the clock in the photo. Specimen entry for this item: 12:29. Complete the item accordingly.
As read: 8:20
